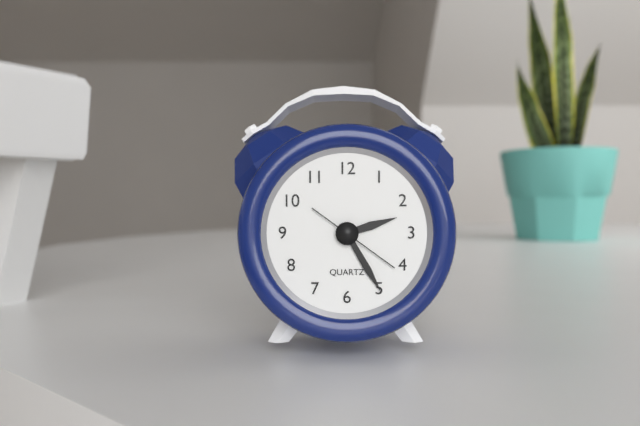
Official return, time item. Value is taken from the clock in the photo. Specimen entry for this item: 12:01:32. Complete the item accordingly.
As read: 2:25:21
